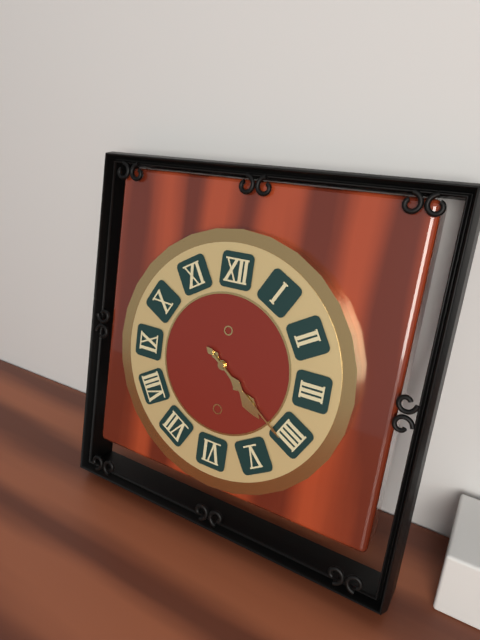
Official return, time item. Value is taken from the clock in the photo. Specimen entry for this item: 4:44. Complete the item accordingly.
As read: 4:21
